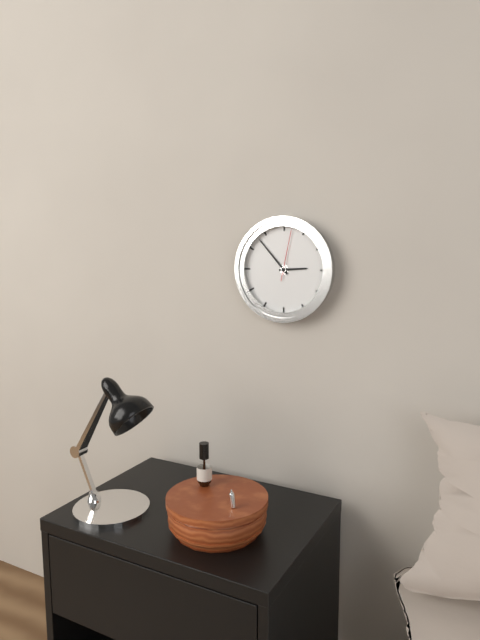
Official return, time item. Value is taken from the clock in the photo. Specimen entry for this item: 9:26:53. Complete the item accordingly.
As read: 2:53:02
